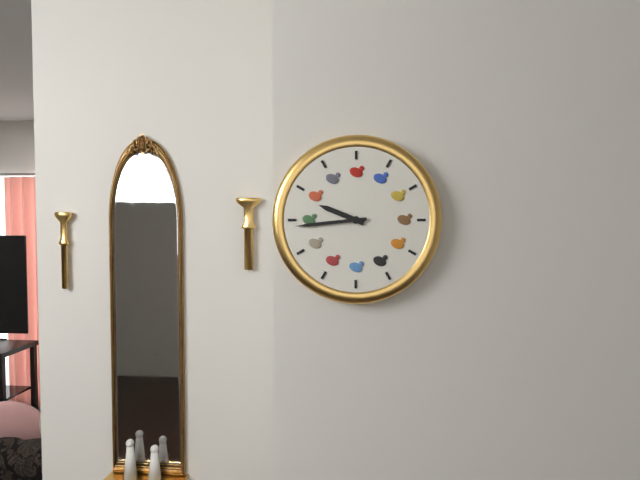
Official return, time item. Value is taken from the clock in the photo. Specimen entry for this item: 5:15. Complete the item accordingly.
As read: 9:44
